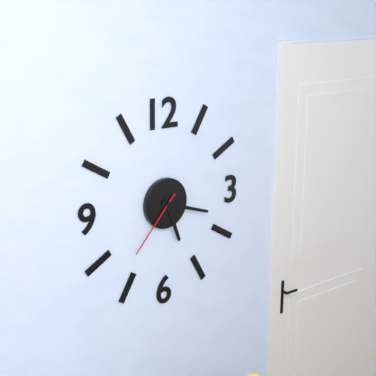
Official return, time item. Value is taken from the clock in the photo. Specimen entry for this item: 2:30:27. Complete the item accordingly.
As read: 5:18:37
